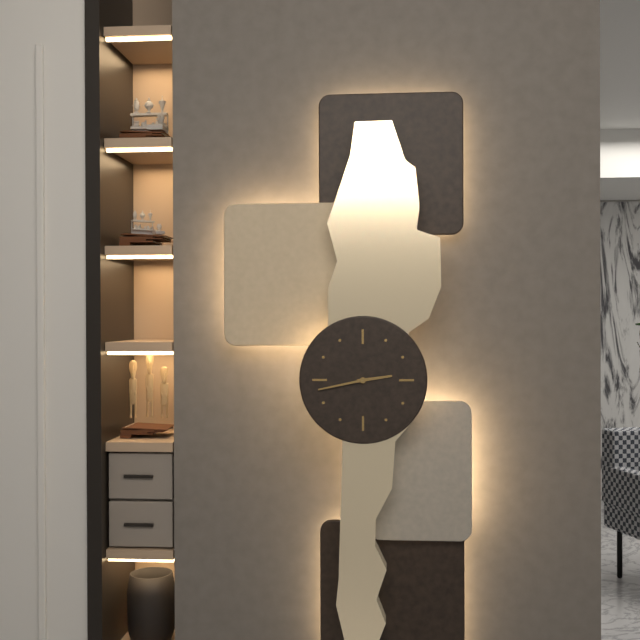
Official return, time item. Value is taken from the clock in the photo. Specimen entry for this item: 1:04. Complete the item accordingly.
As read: 2:43
